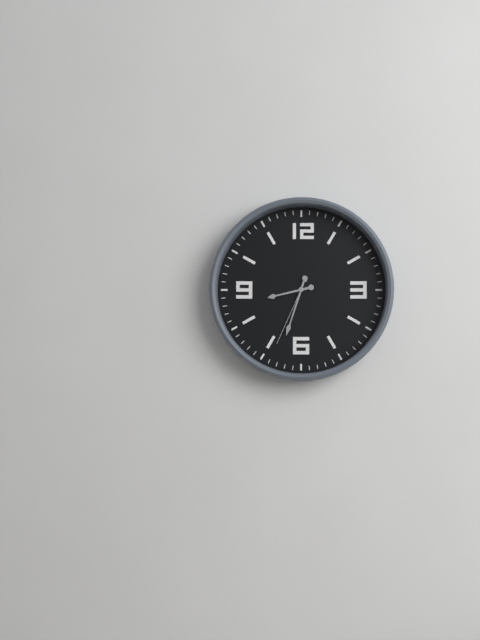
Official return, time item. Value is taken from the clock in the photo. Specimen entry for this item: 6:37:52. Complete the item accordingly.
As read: 8:33:34
